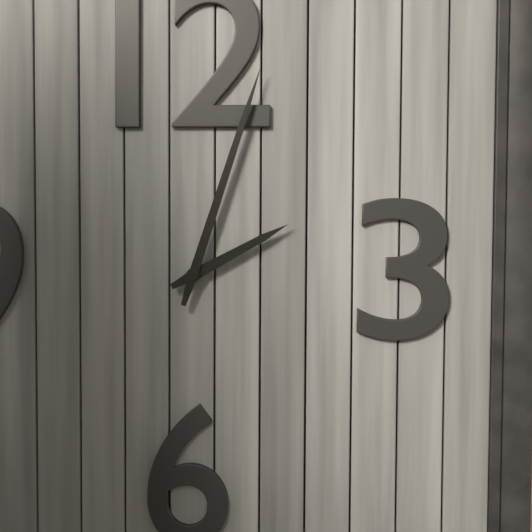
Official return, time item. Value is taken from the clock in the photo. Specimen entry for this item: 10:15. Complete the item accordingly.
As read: 2:03
